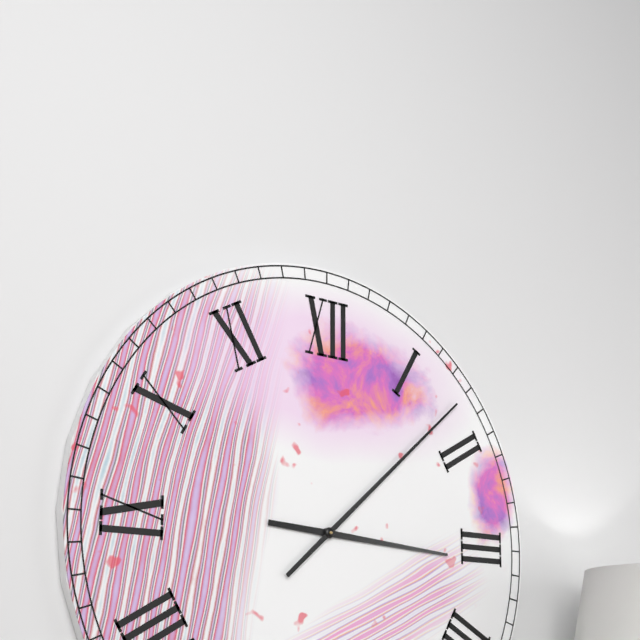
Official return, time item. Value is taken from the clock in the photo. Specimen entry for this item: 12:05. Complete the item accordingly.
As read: 3:08
